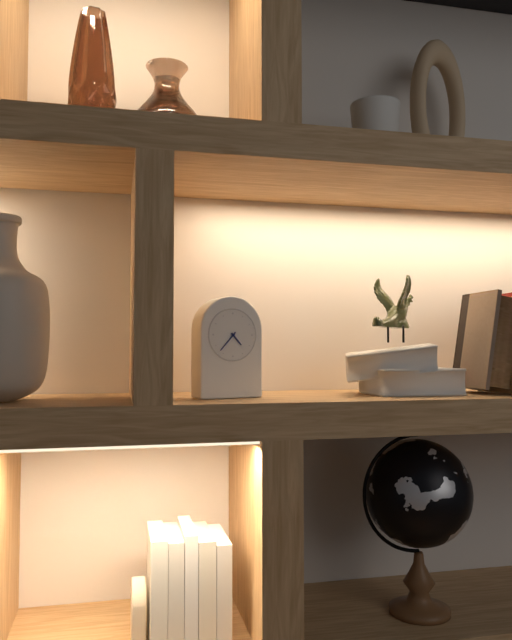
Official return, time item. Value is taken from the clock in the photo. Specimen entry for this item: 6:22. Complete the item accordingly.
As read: 4:37
